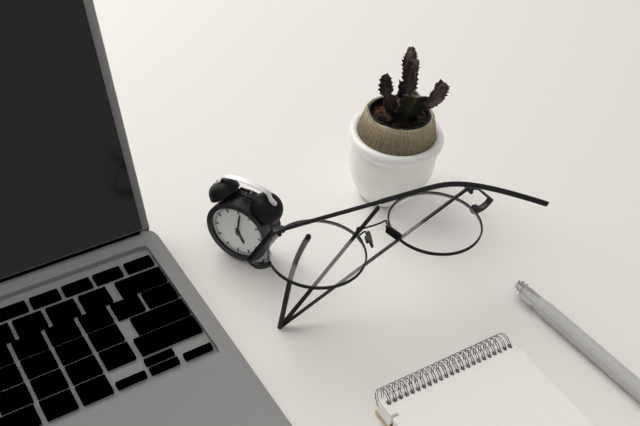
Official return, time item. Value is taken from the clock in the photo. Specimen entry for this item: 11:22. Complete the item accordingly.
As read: 5:01
